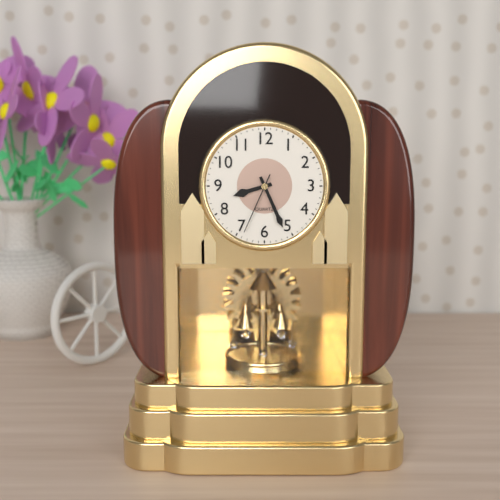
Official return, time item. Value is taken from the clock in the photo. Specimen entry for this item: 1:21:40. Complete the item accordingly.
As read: 8:26:34
